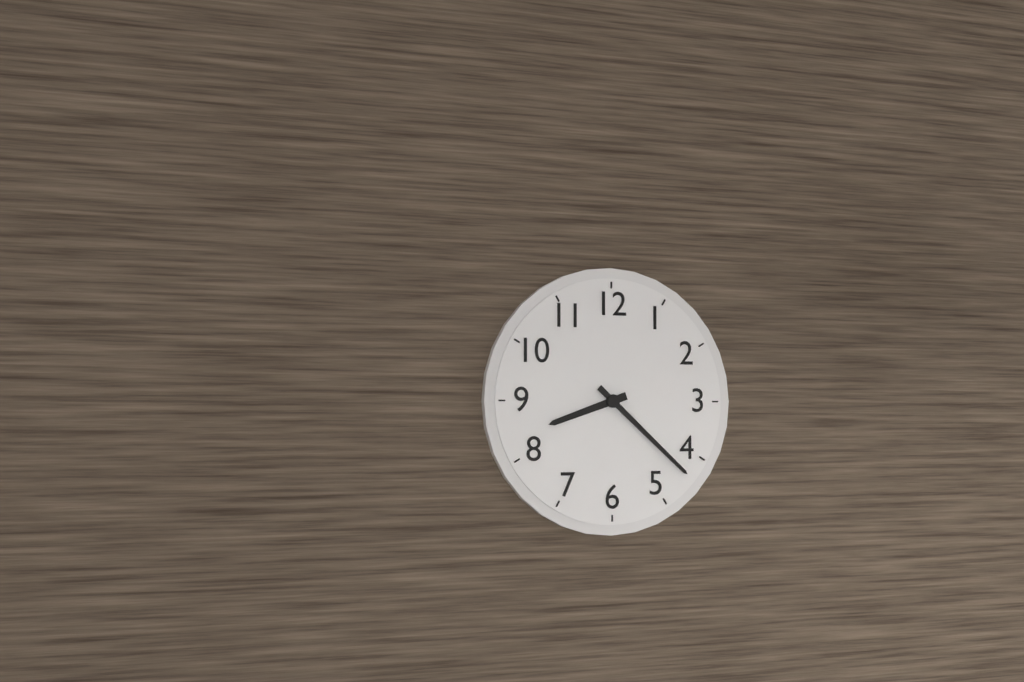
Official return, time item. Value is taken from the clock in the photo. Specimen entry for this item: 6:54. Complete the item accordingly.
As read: 8:22
